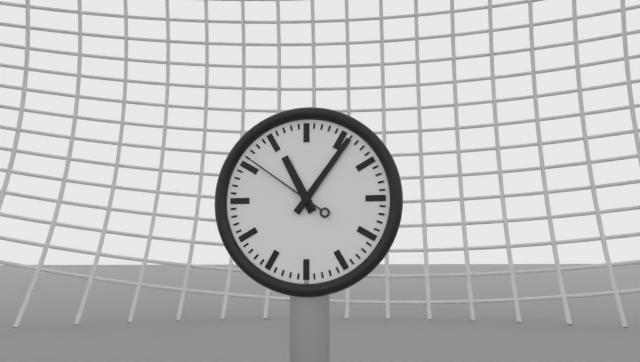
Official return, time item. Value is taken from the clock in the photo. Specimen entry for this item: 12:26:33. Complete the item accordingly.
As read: 11:06:51
